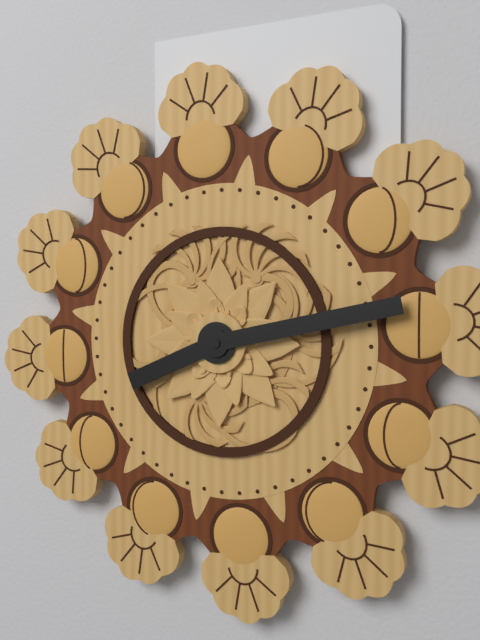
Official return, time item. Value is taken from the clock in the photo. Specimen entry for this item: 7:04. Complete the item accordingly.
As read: 8:13
